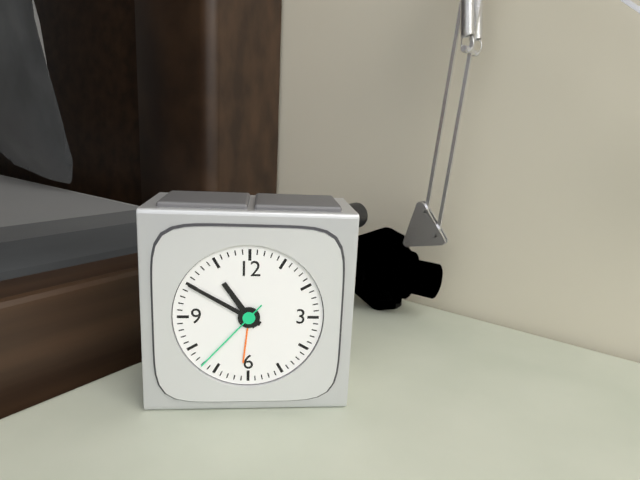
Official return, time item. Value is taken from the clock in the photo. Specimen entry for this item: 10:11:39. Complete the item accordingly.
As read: 10:50:37
